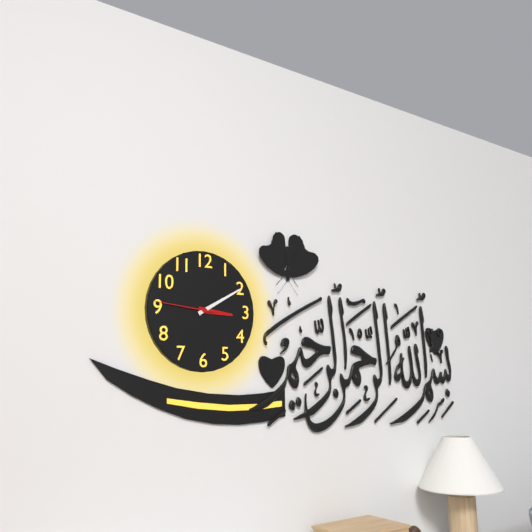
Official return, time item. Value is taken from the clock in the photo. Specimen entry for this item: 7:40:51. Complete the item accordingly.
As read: 3:10:46
